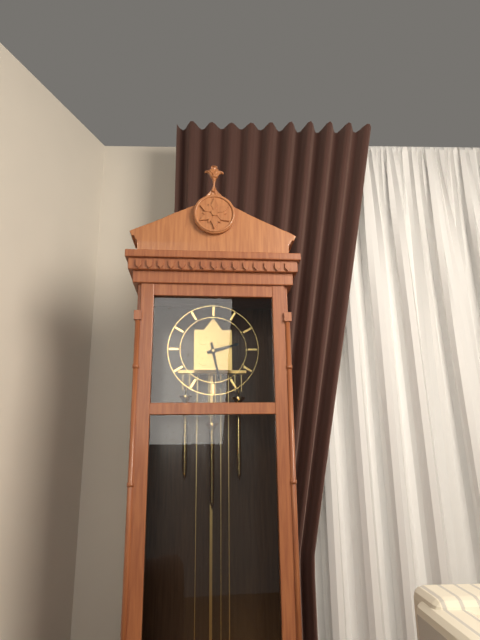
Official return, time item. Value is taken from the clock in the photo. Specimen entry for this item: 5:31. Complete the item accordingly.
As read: 2:28
